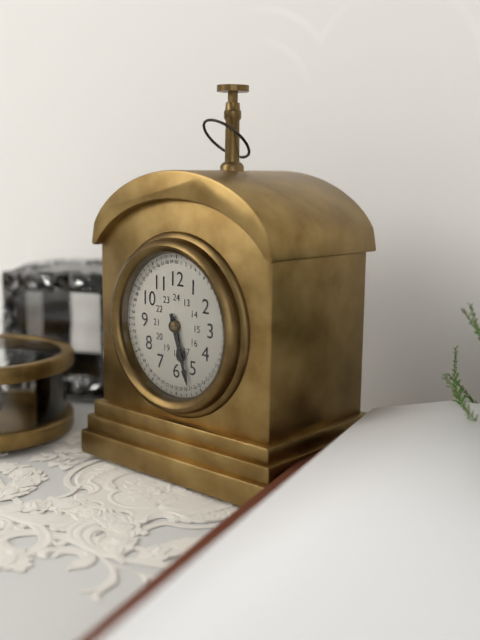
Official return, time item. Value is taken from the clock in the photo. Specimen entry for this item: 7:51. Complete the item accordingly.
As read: 5:27
